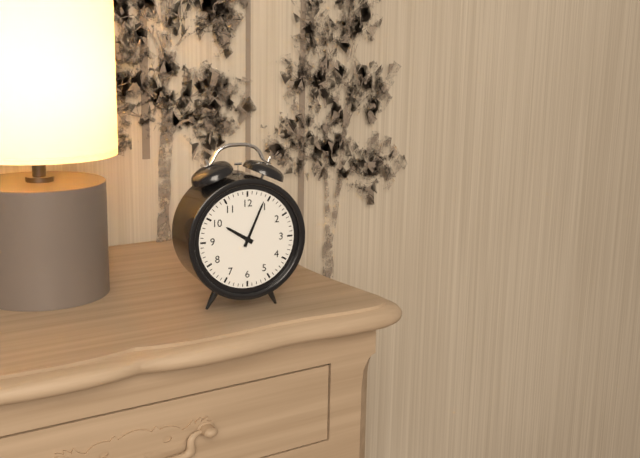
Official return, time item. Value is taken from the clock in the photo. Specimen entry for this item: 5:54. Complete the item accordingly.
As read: 10:04
